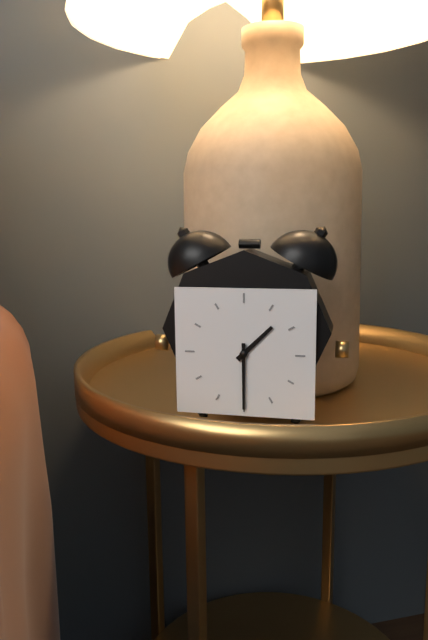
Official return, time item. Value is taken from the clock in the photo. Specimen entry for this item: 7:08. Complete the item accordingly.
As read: 1:30
